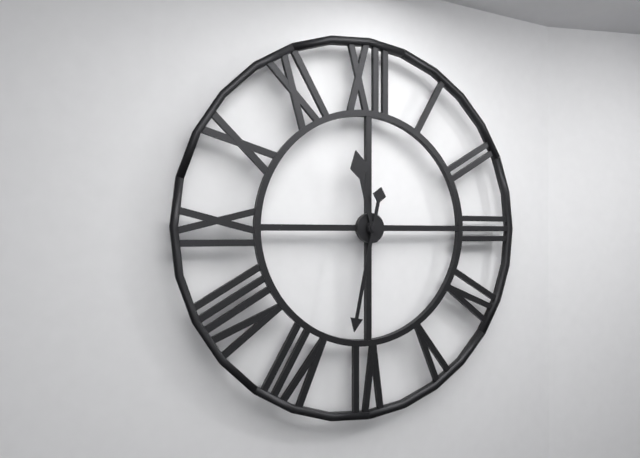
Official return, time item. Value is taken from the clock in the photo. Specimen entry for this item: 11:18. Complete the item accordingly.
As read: 11:32
